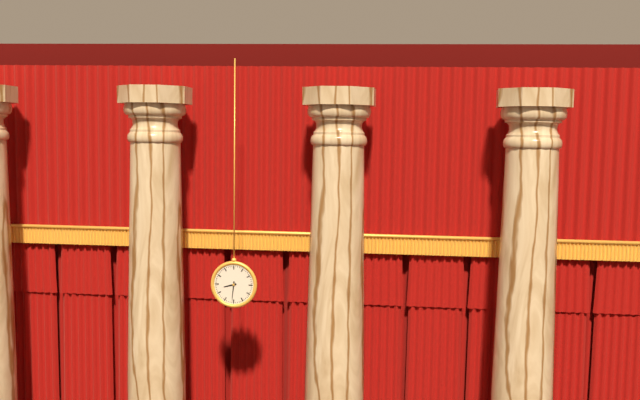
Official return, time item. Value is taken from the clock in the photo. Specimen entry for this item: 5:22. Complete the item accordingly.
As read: 8:31
